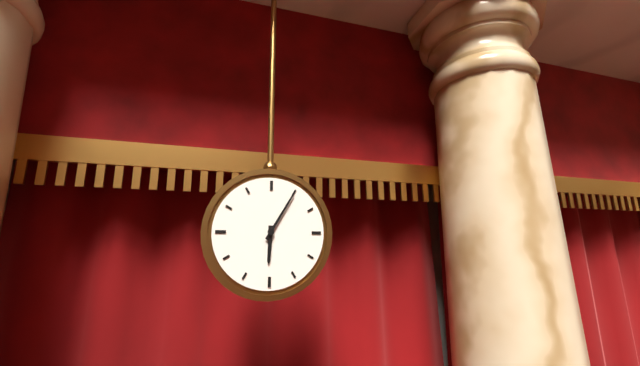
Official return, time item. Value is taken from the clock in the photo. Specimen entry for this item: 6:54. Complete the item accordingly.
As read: 6:05
